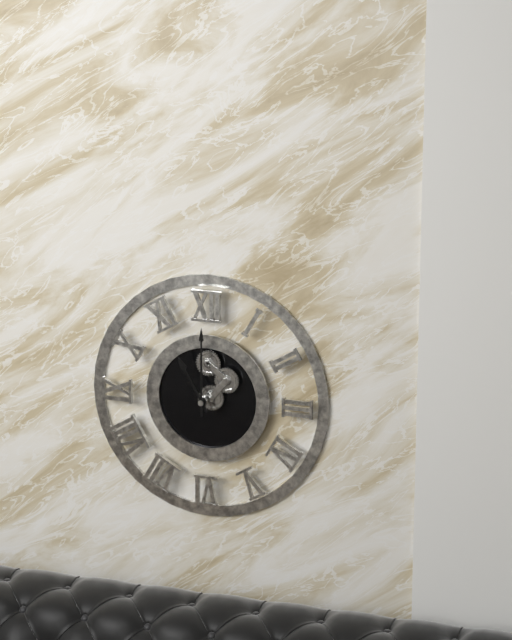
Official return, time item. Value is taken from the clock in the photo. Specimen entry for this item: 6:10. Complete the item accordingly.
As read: 11:00
